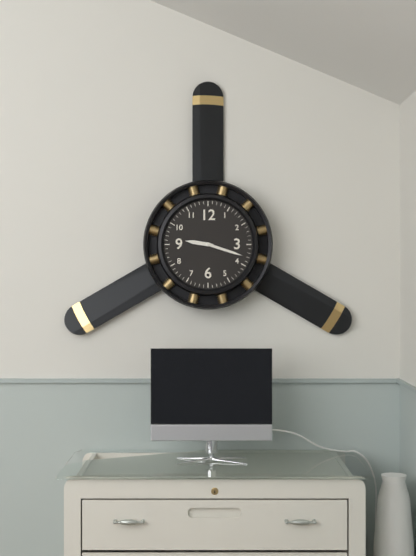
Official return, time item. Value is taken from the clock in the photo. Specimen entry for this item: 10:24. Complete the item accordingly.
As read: 9:18
